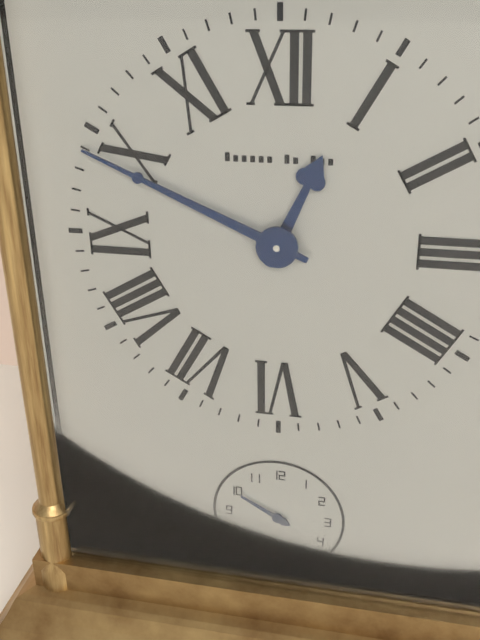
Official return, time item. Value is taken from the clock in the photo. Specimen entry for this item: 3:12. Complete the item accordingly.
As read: 12:49
